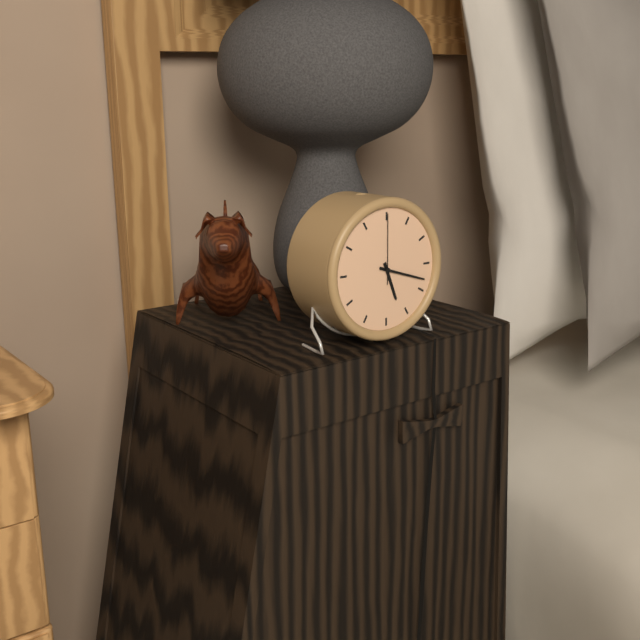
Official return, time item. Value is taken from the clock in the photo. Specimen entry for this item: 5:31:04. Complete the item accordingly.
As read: 5:18:00
